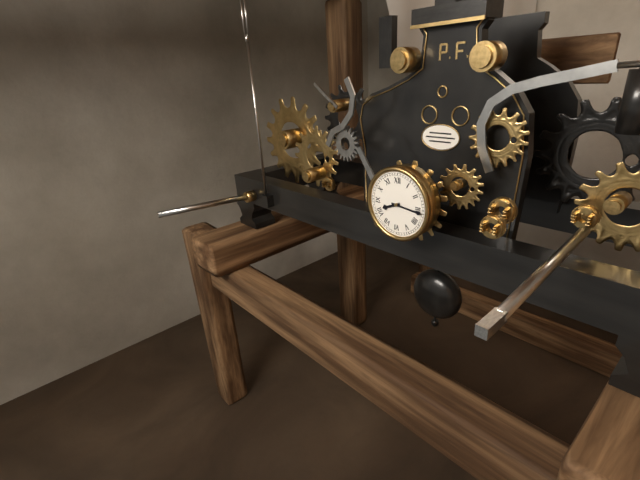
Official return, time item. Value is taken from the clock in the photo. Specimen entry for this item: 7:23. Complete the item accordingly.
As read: 8:16
